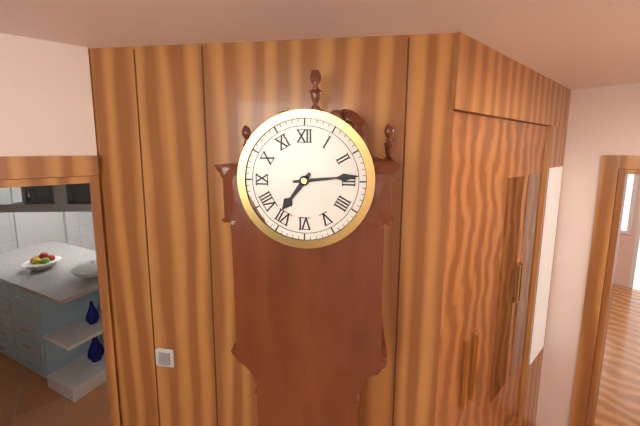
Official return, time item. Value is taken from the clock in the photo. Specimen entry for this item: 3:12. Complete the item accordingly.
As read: 7:14
